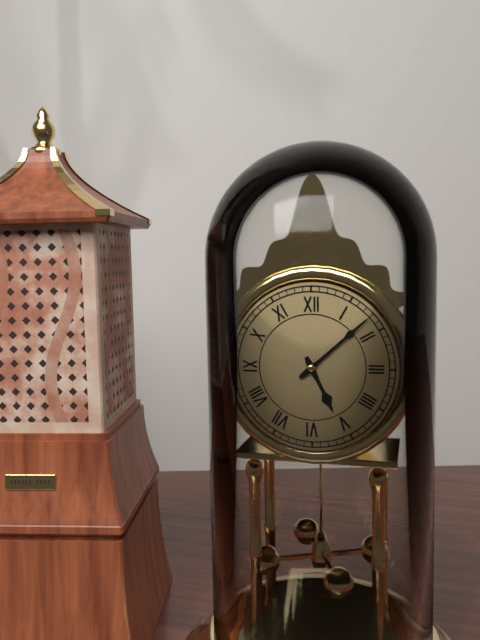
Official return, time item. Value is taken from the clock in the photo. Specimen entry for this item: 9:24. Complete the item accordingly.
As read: 5:08
